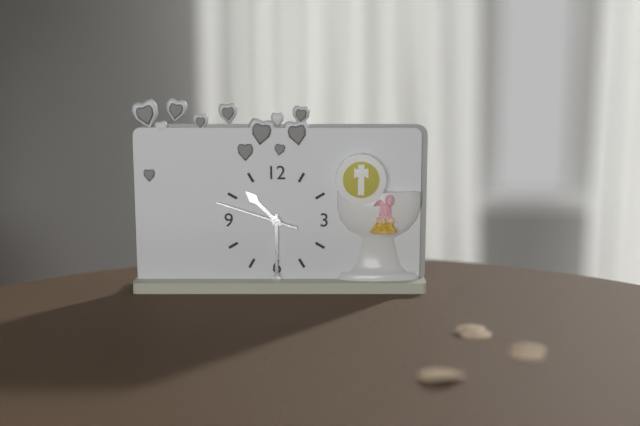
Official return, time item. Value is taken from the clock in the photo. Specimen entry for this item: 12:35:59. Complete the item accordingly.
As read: 10:30:48
